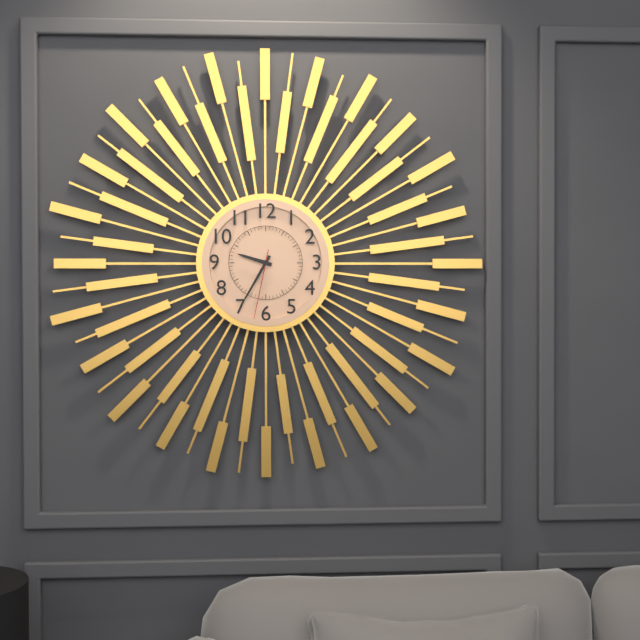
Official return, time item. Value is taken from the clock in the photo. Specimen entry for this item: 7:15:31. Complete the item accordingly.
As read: 9:35:32
